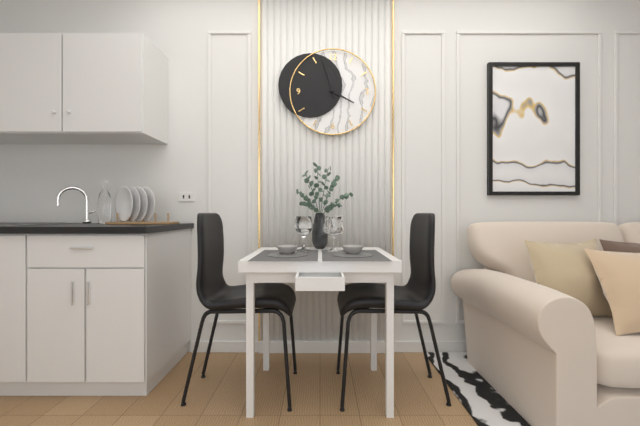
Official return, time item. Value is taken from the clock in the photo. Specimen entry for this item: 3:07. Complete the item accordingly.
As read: 3:57
